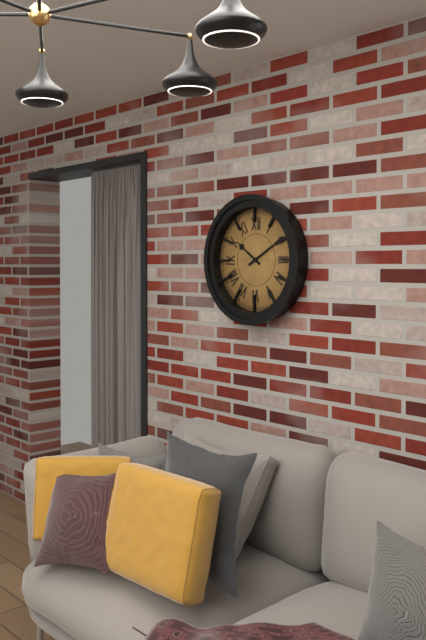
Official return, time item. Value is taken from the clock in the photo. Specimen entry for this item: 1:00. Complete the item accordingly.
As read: 10:10
